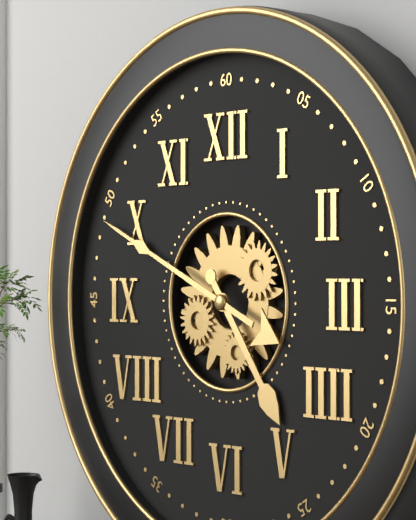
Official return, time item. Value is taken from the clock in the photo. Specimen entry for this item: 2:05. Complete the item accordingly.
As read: 4:49
